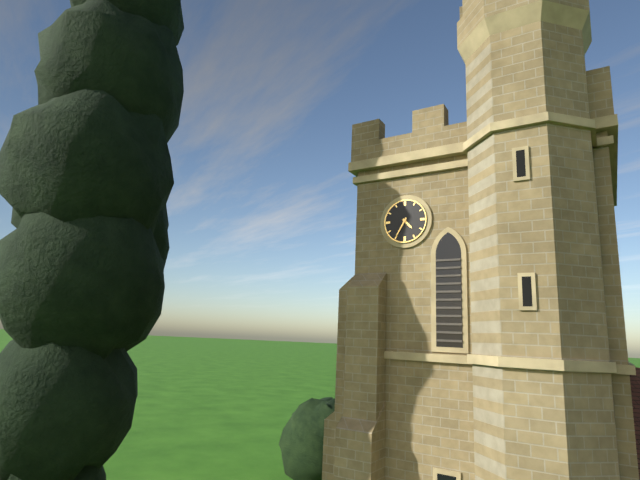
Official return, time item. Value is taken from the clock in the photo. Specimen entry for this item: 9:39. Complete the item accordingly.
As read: 4:35
